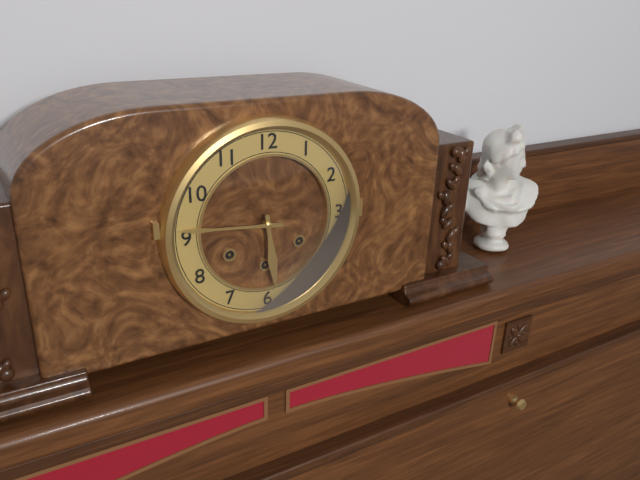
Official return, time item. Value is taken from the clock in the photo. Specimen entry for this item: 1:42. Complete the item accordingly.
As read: 5:46
